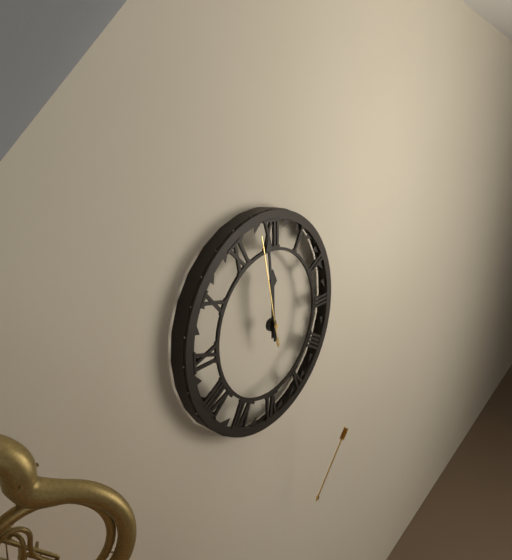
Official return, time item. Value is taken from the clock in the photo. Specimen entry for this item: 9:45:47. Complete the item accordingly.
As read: 11:59:58
